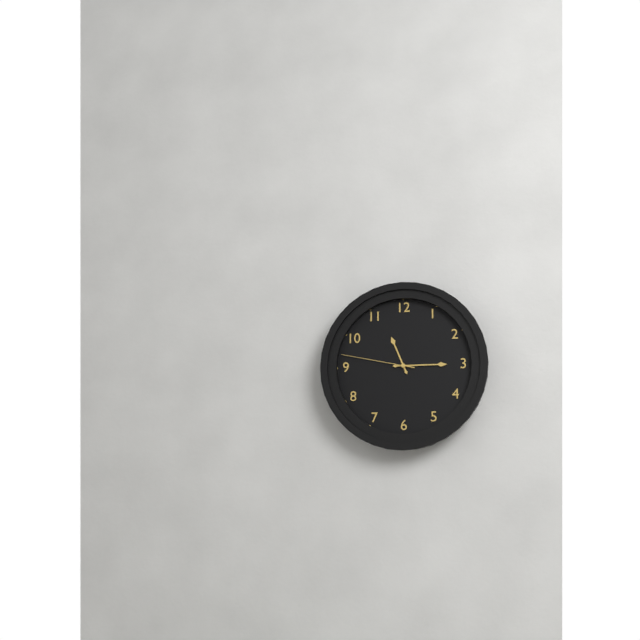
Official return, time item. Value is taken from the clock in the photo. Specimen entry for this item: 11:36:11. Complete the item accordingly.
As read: 11:15:47
